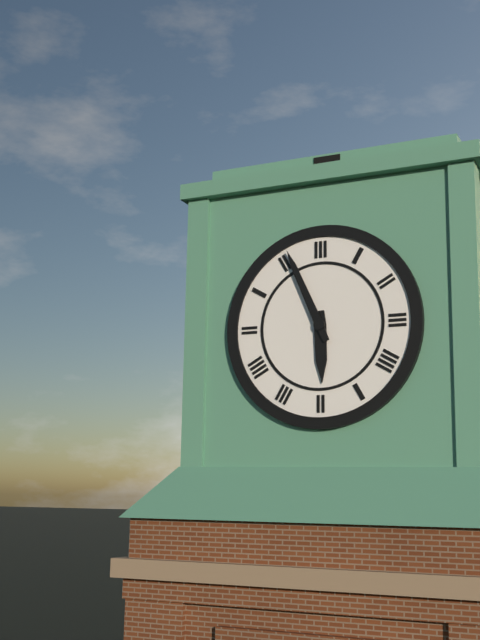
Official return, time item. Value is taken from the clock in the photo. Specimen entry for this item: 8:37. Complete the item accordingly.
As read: 5:56
